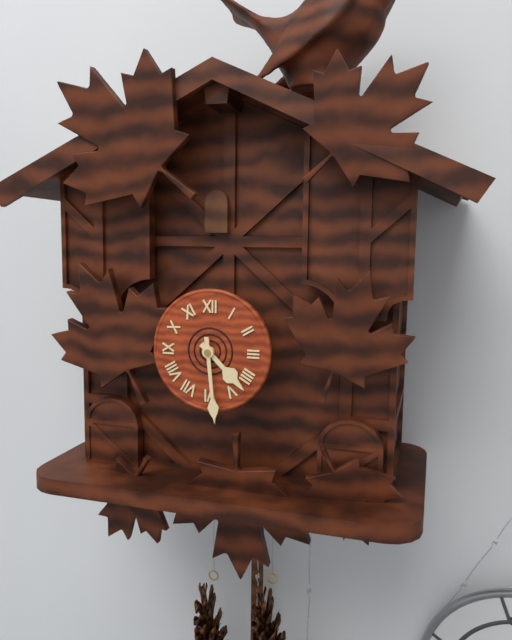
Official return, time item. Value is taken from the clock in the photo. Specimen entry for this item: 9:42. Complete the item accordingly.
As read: 4:29
